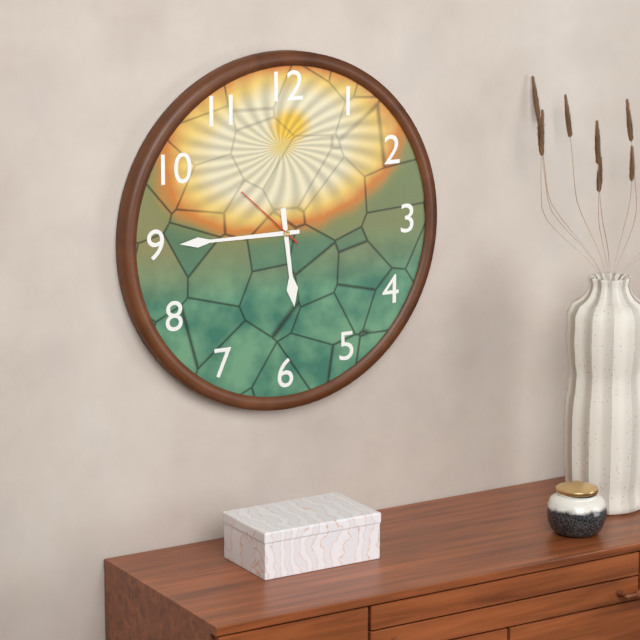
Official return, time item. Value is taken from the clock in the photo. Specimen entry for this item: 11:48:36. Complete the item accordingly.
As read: 5:45:52
